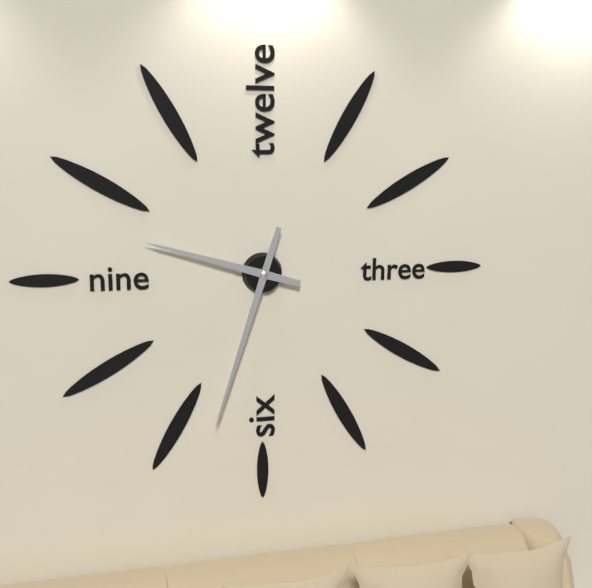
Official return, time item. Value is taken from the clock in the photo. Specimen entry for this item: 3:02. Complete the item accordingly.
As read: 9:33
